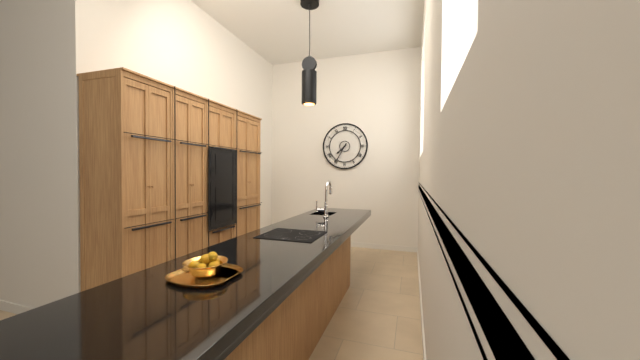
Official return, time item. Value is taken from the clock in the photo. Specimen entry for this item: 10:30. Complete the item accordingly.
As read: 7:35
